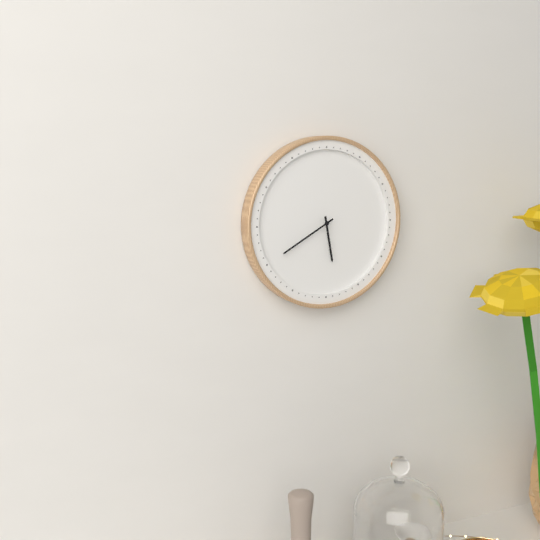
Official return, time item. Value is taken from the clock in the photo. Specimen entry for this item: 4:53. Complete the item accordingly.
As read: 5:40
